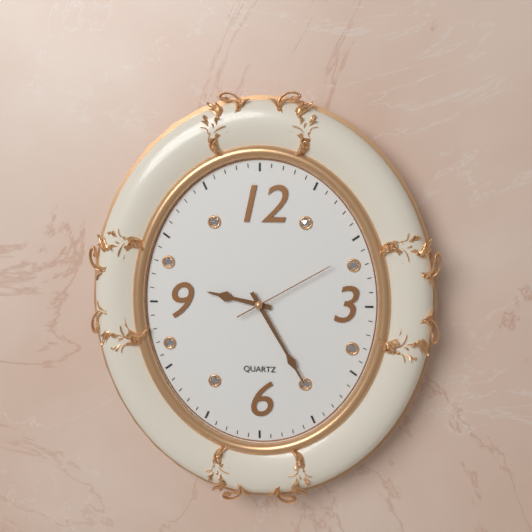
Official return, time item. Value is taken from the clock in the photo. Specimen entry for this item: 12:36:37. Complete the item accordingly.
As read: 9:25:10
